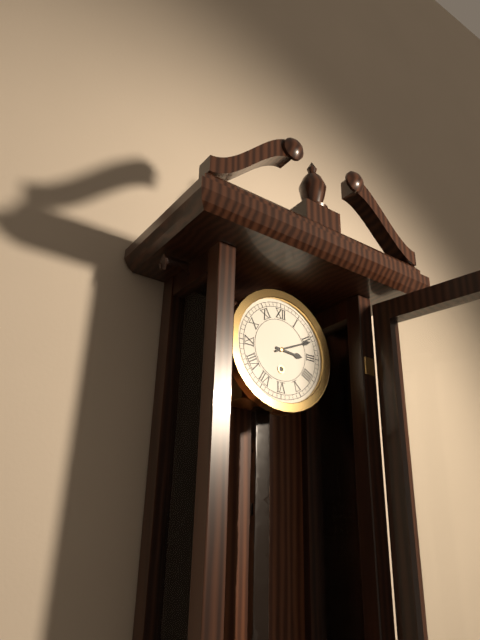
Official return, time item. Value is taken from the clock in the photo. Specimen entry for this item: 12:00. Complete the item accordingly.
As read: 3:11
